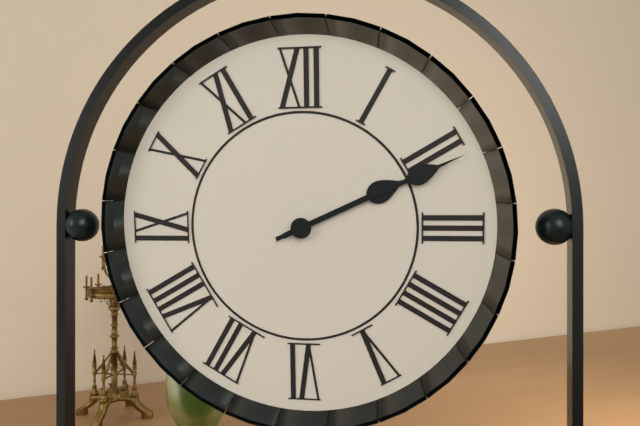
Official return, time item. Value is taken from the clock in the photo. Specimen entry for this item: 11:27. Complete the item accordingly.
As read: 2:11
